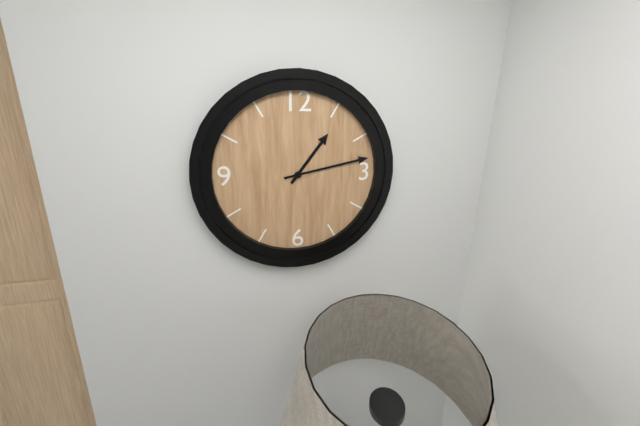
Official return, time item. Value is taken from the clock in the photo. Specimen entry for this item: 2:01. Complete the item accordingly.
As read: 1:13
